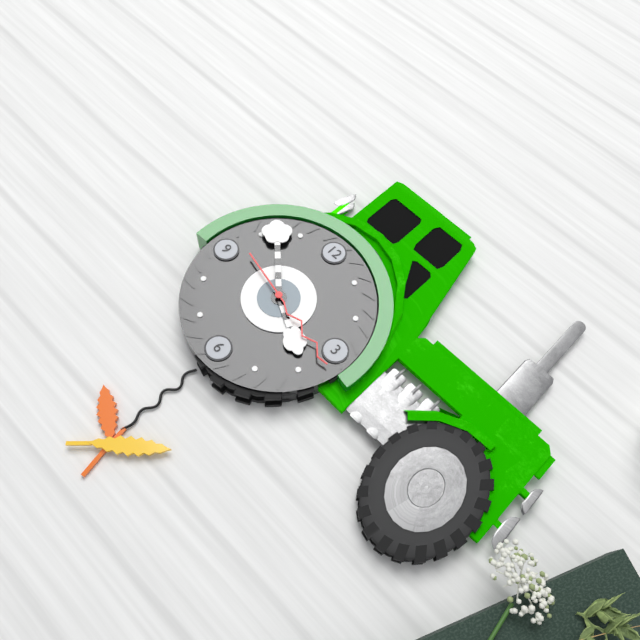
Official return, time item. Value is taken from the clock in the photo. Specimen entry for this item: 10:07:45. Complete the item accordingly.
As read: 3:52:17
